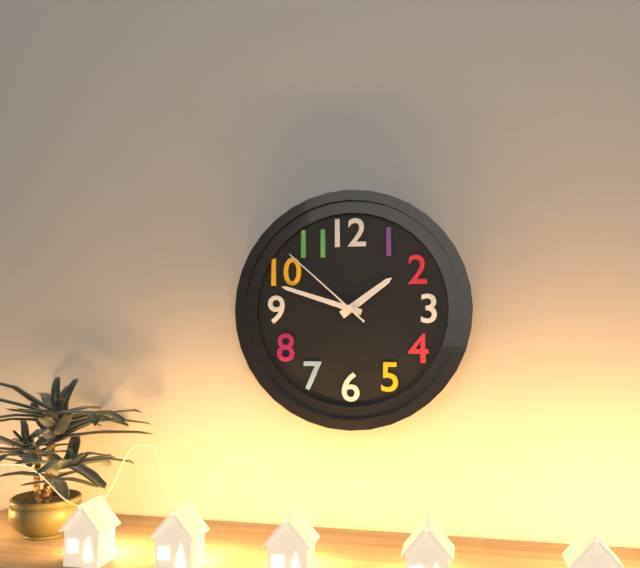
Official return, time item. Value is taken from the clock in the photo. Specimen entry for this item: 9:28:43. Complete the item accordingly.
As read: 1:48:52
